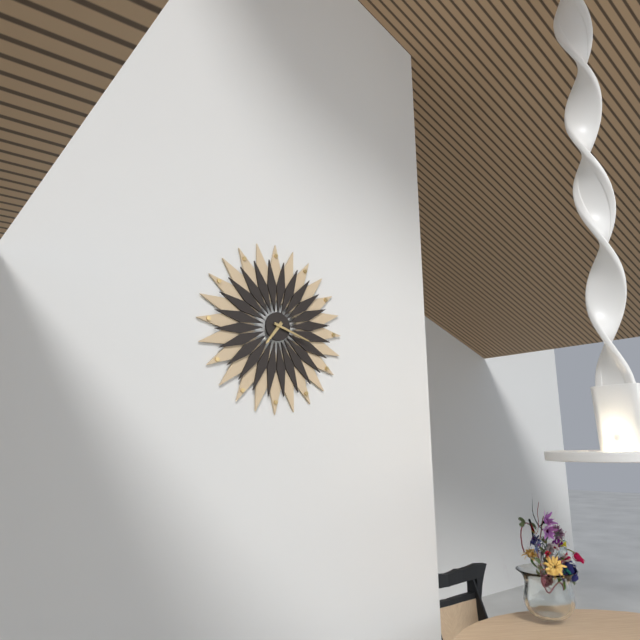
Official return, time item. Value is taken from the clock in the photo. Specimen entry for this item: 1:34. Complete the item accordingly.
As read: 7:18
